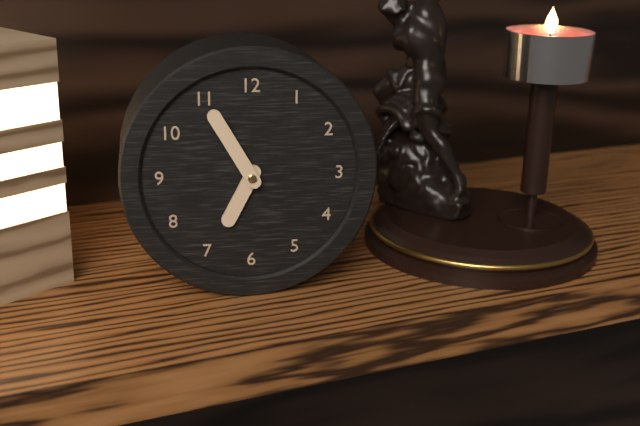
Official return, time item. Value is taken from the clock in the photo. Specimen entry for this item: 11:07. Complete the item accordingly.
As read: 6:55
